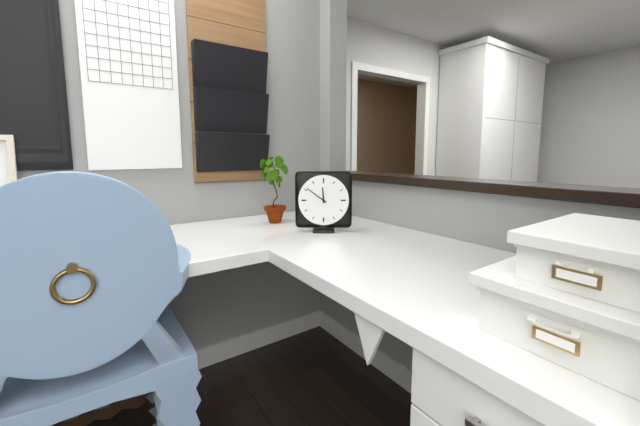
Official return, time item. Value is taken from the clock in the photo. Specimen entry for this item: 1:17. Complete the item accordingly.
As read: 11:51
